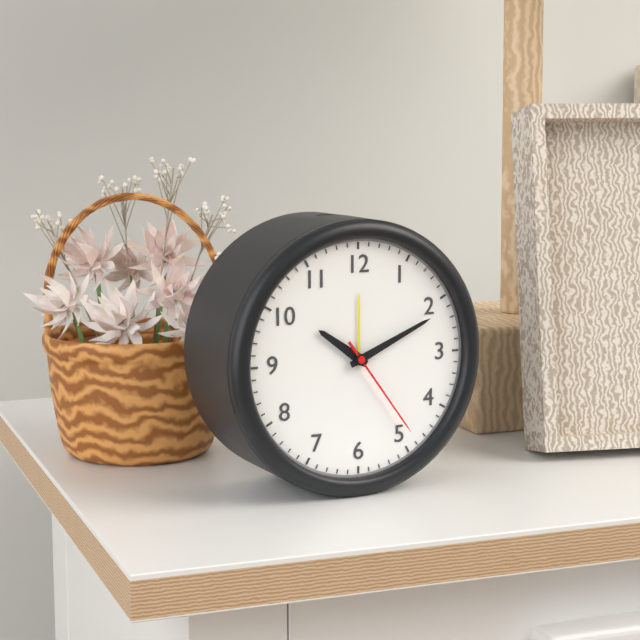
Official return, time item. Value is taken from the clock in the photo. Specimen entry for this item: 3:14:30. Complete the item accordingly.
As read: 10:11:24
